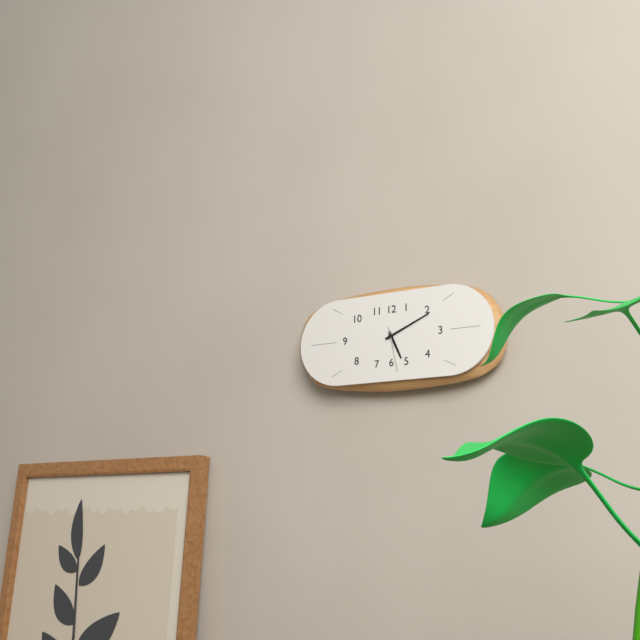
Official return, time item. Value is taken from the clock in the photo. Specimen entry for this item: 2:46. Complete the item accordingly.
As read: 5:11
